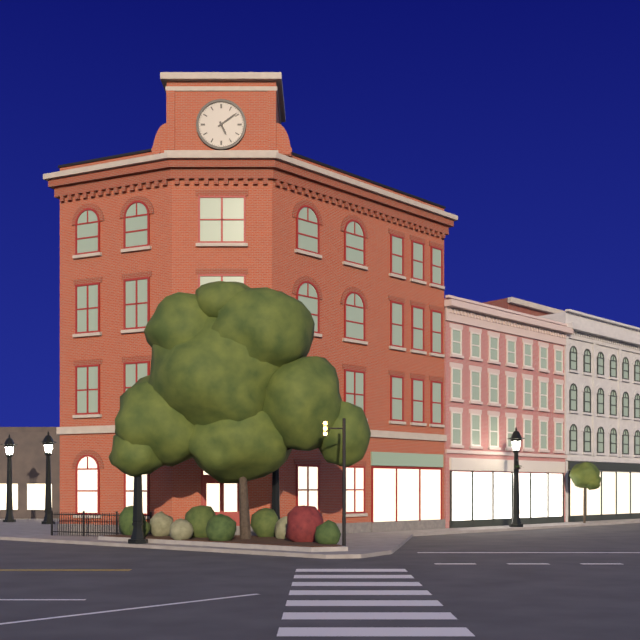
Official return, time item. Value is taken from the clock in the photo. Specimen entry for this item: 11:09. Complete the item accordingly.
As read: 5:09
